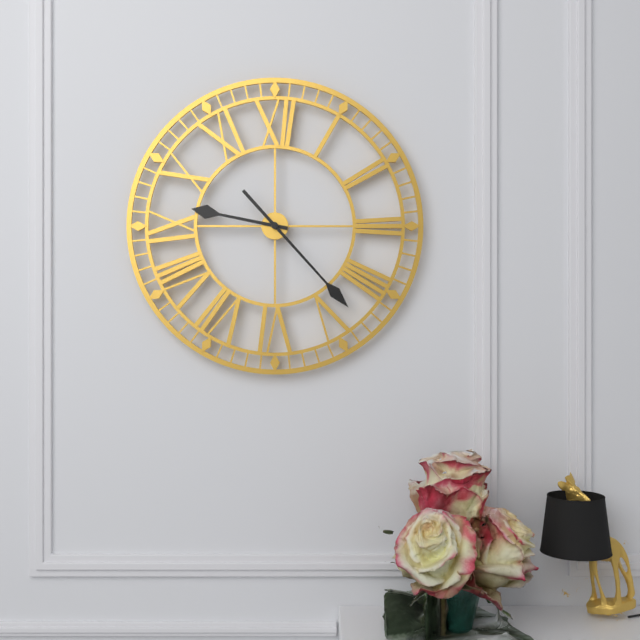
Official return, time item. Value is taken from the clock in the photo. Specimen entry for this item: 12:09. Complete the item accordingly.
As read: 9:23
